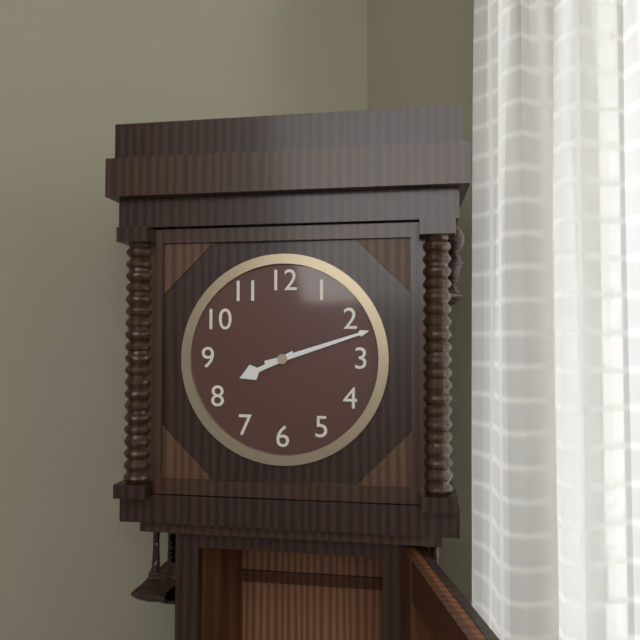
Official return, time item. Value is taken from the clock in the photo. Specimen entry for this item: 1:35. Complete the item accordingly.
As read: 8:12
